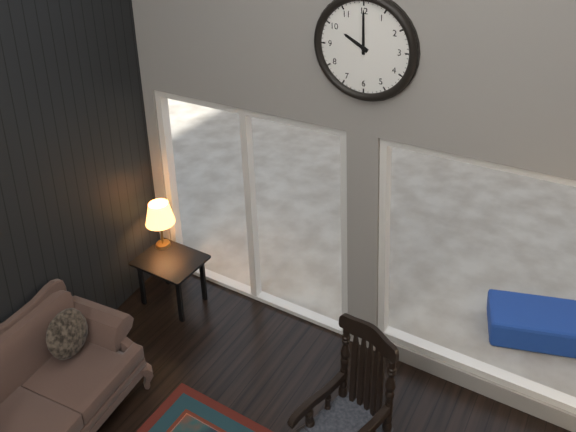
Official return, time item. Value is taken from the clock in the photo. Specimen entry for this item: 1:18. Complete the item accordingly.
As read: 10:00
